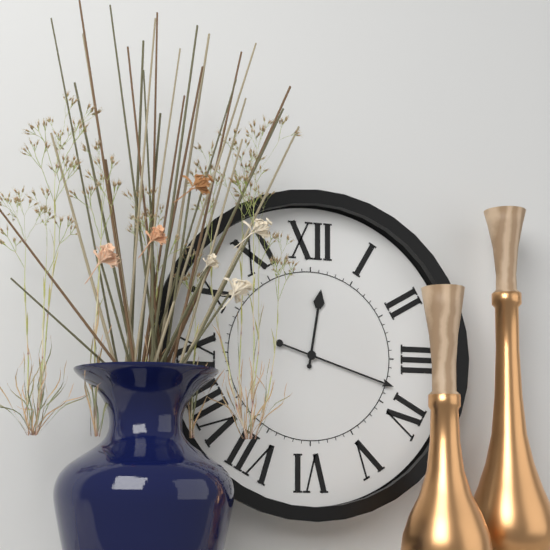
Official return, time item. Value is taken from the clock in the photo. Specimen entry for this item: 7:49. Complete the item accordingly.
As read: 12:18
